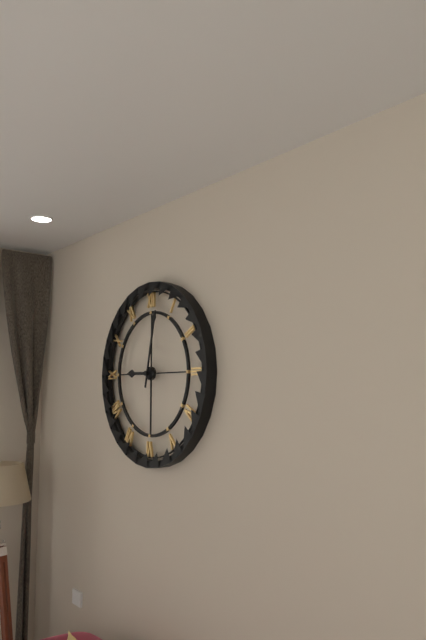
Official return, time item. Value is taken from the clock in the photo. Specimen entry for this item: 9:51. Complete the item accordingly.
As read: 9:02
